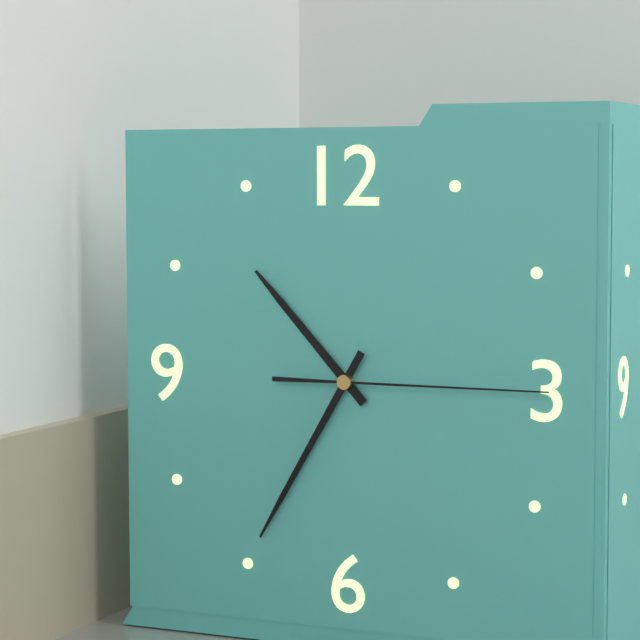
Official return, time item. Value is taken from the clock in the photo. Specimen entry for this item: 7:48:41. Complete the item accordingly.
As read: 10:35:15
